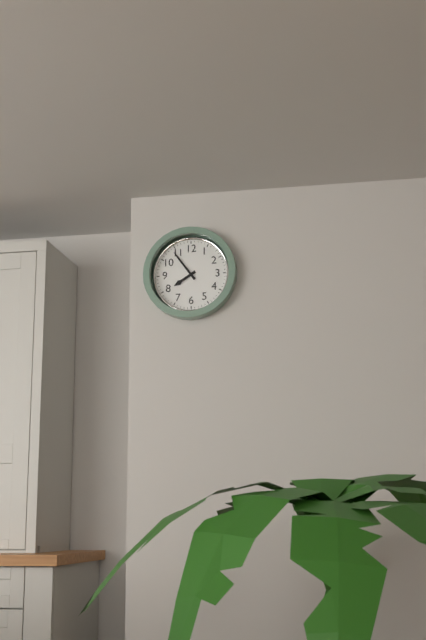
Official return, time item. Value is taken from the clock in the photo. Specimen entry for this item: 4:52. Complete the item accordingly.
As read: 7:54
